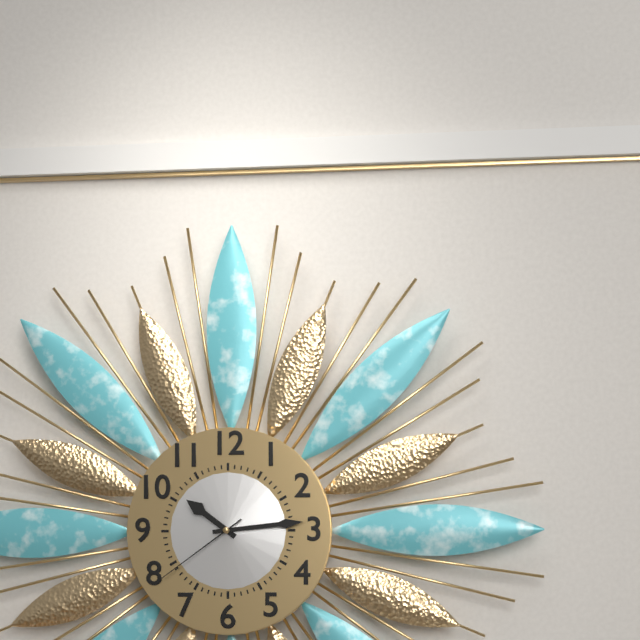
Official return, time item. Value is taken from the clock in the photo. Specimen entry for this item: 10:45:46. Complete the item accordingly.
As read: 10:14:39
